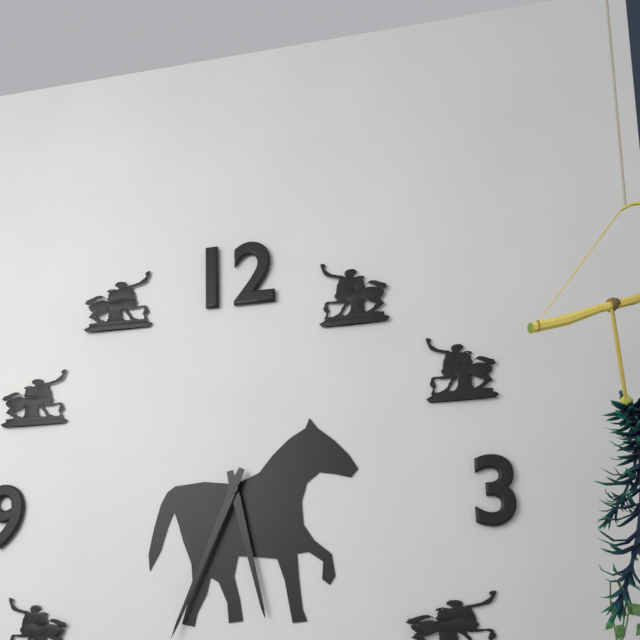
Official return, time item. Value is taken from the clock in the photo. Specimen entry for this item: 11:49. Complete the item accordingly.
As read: 5:34
